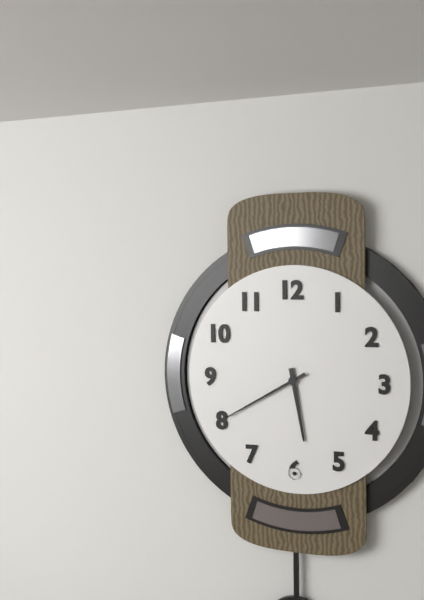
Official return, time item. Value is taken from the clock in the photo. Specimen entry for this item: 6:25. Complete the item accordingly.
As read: 5:40
